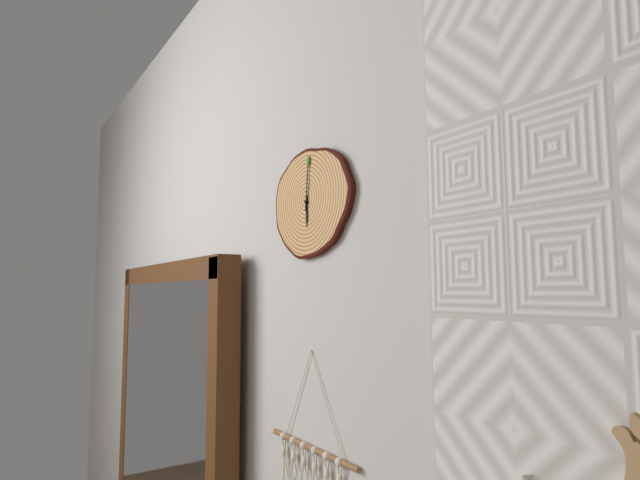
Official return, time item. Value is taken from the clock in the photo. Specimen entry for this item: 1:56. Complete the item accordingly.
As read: 6:01
